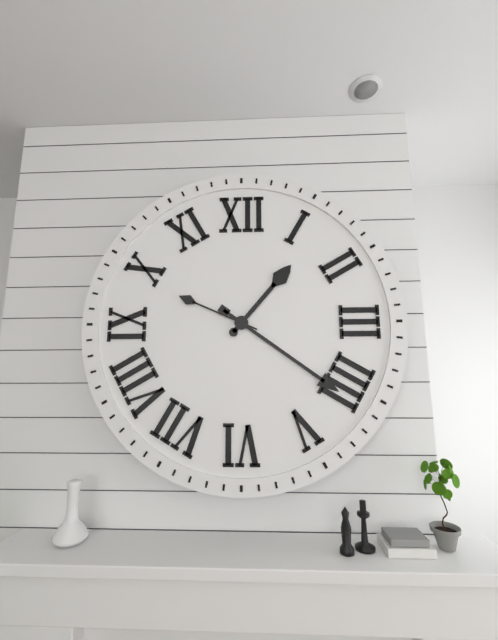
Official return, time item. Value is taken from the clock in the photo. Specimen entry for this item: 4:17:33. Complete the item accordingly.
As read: 1:21:49
